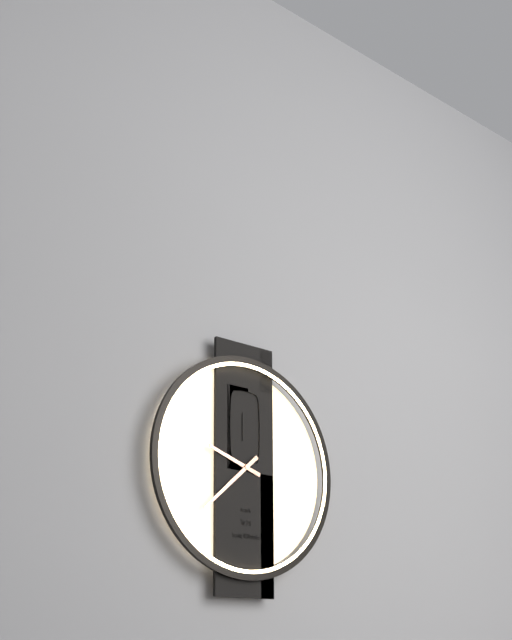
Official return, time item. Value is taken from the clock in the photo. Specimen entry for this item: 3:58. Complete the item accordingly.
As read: 9:38
